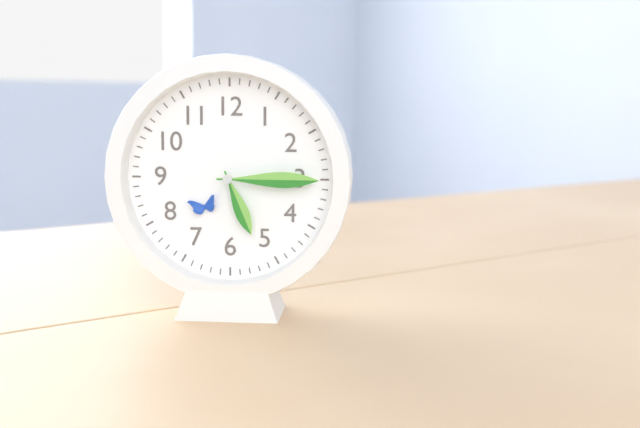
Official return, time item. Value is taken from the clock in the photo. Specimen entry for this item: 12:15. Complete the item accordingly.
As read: 5:15
